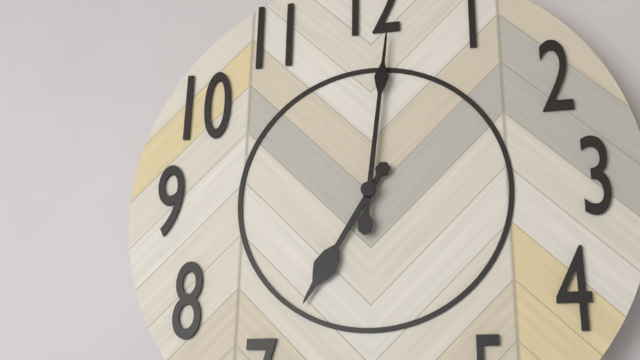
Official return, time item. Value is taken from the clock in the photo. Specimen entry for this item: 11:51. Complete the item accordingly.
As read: 7:01
